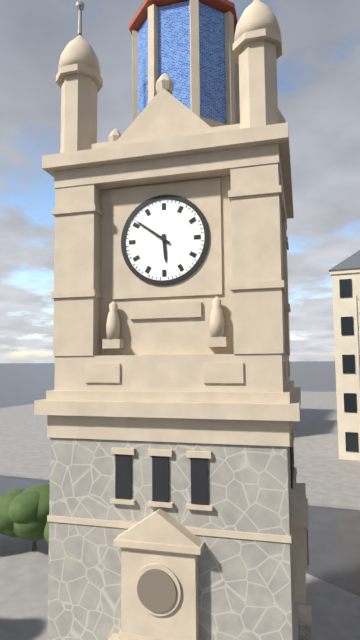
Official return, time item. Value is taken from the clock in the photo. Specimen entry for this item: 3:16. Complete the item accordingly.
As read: 5:51
